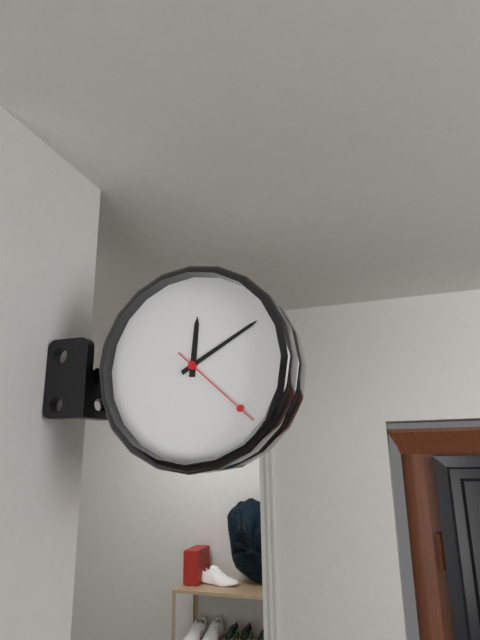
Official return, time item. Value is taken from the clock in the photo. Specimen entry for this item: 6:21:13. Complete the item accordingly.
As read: 12:10:22
